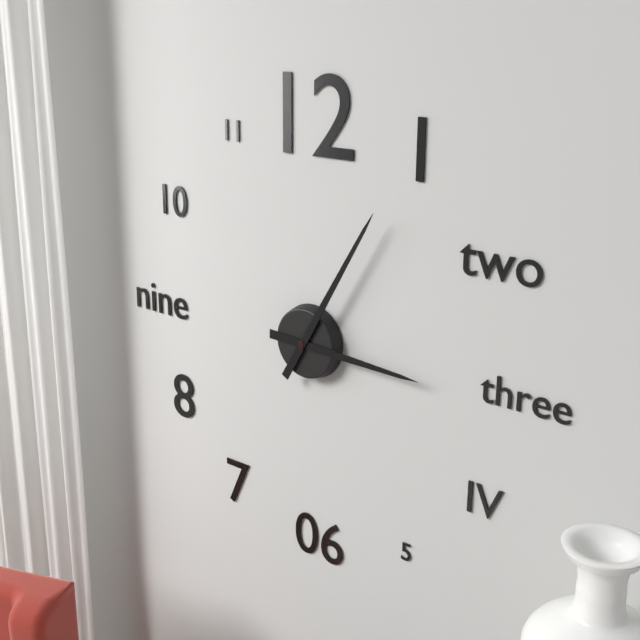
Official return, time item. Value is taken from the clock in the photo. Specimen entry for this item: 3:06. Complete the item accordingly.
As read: 3:05
